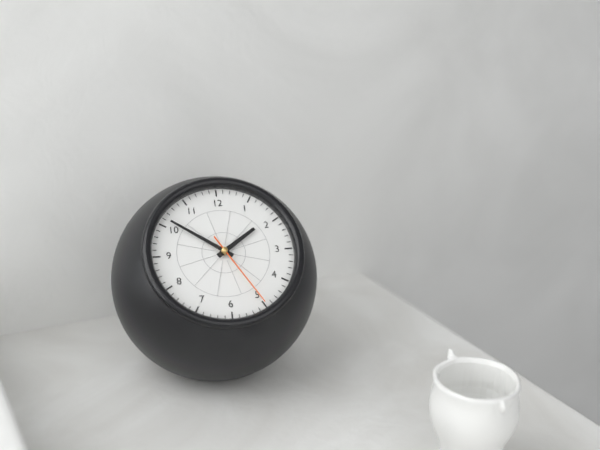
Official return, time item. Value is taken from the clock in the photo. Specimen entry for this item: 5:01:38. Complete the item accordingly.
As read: 1:51:25
